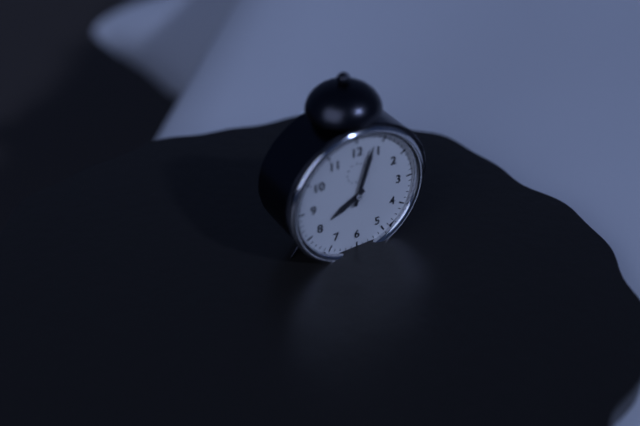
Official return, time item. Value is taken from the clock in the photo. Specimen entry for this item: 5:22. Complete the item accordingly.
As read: 8:03
